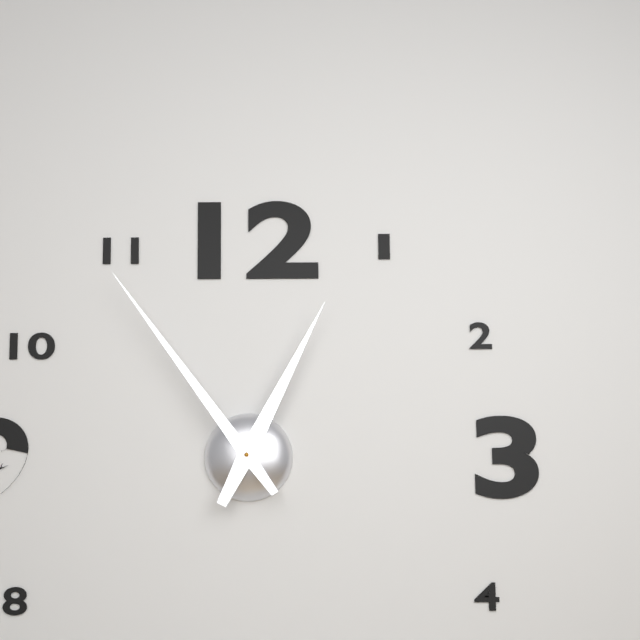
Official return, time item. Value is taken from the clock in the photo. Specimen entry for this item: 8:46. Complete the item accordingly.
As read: 12:54
